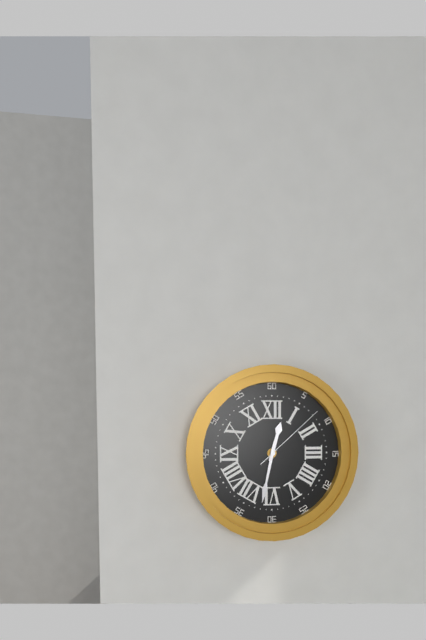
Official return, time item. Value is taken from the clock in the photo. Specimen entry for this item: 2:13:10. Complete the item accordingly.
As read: 12:32:08
